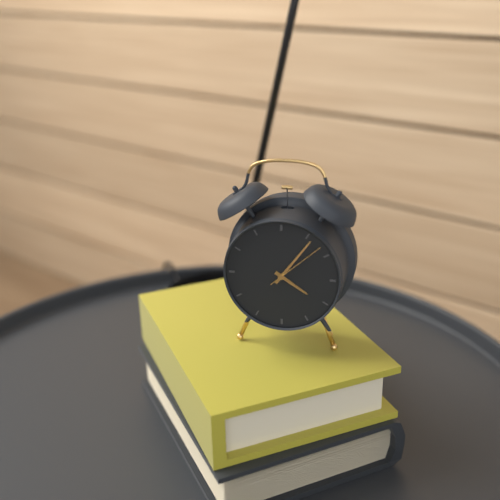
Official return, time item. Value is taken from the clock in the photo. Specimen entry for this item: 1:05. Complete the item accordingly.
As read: 4:06
